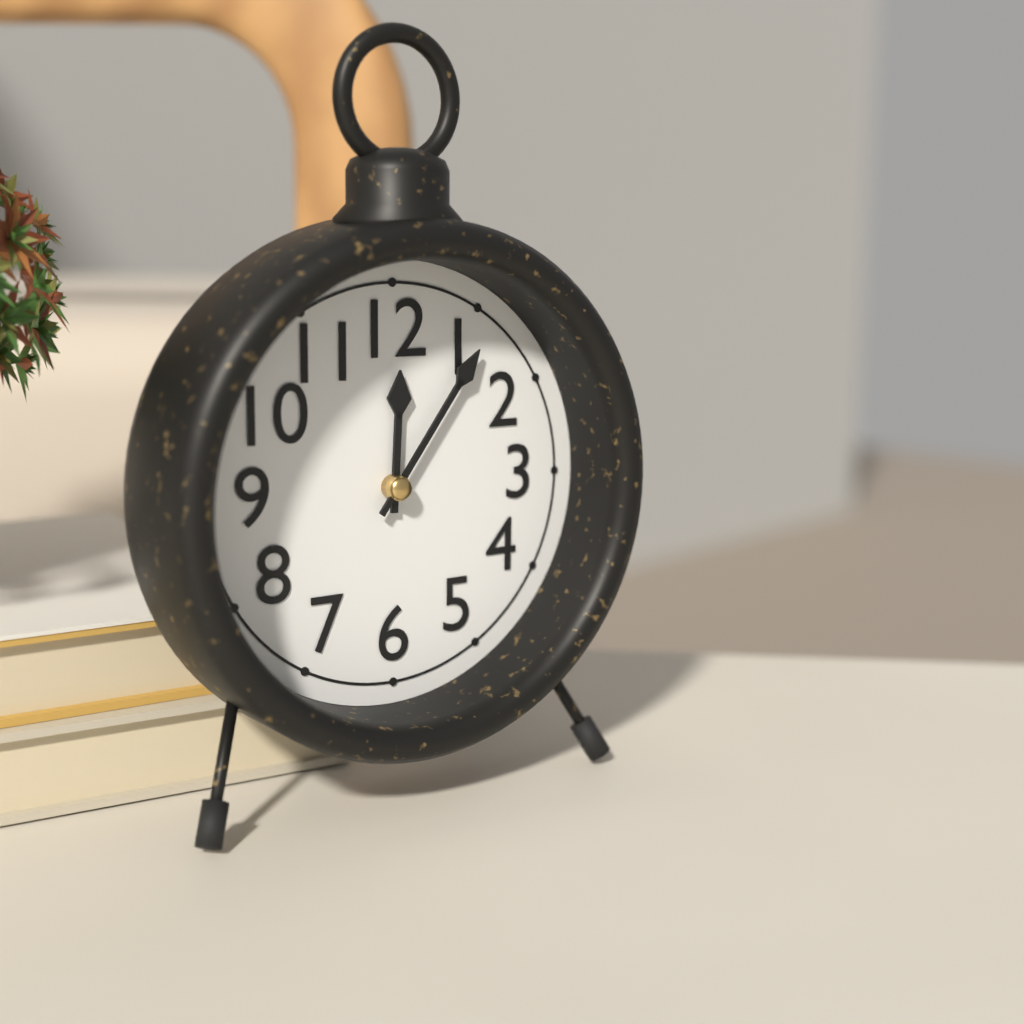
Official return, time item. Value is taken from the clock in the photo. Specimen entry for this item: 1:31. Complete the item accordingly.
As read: 12:06
